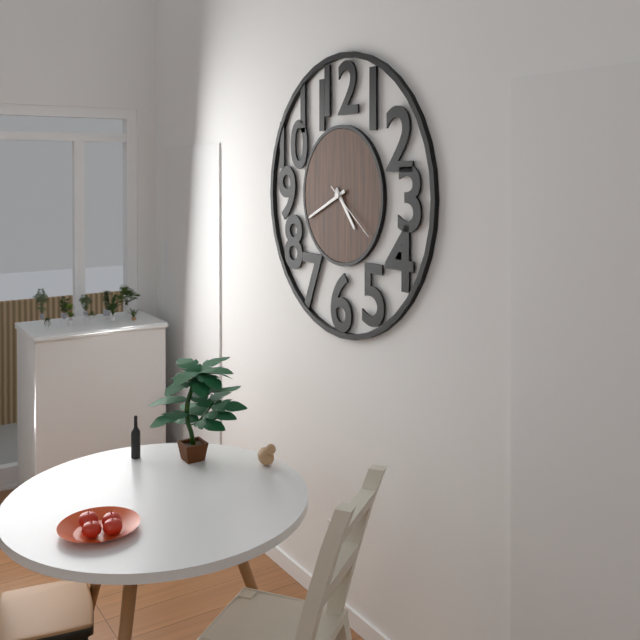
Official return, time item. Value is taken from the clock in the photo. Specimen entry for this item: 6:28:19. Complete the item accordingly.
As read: 4:41:21
